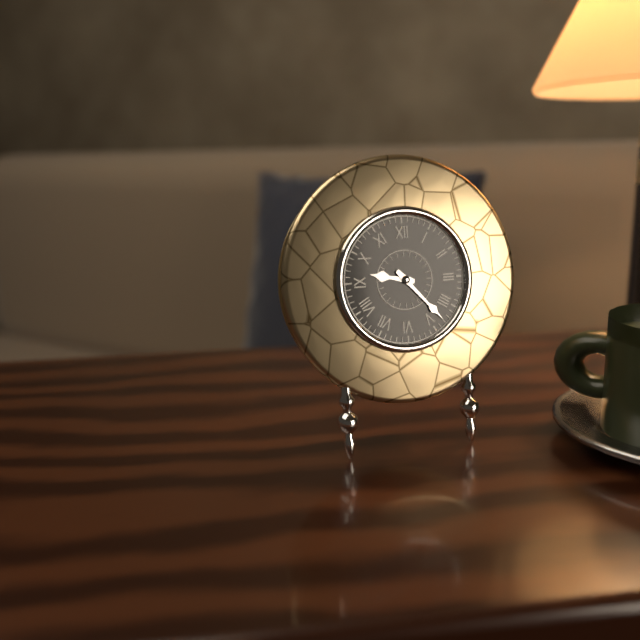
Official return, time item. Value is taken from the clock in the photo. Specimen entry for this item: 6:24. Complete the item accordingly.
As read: 9:23
